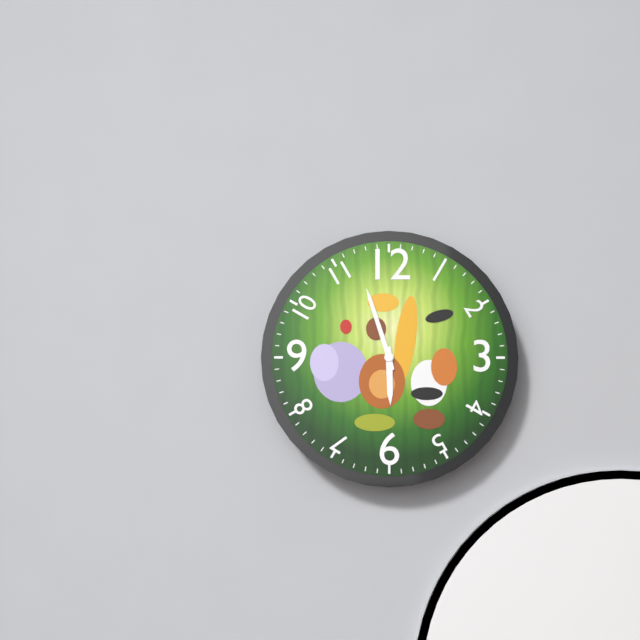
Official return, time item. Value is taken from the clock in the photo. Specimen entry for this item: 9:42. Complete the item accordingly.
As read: 5:57
